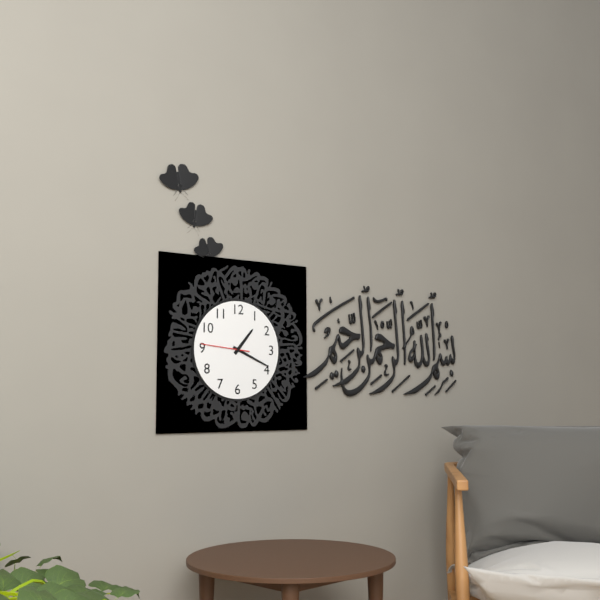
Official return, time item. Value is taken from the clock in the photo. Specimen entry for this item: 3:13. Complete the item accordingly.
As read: 1:19
